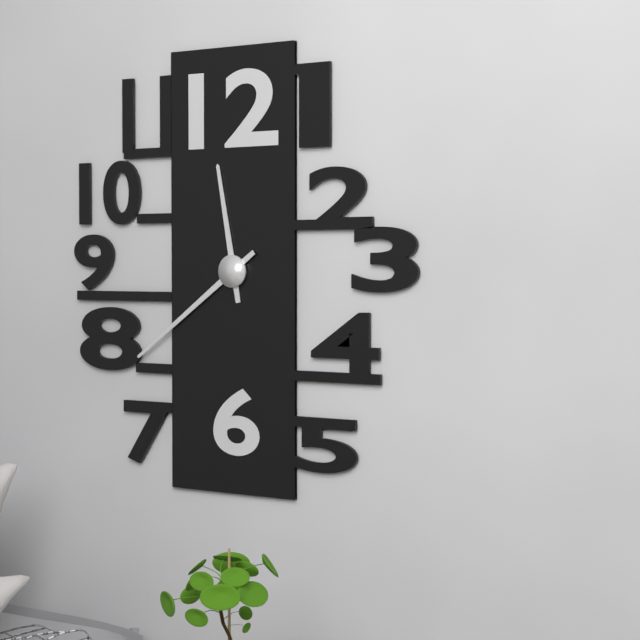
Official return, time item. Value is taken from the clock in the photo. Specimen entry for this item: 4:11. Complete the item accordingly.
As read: 11:39
